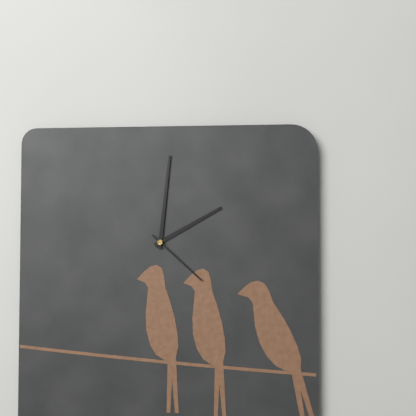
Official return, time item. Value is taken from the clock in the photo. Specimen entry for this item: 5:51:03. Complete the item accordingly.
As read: 2:01:22
